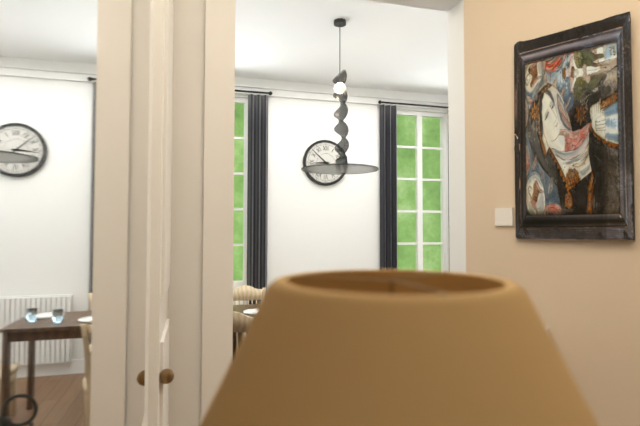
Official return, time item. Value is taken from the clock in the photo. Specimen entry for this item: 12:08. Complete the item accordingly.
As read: 8:52
